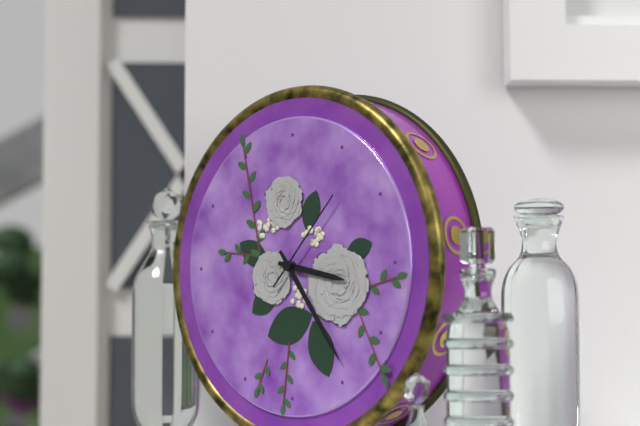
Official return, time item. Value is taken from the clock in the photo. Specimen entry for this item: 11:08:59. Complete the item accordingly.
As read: 3:24:07
